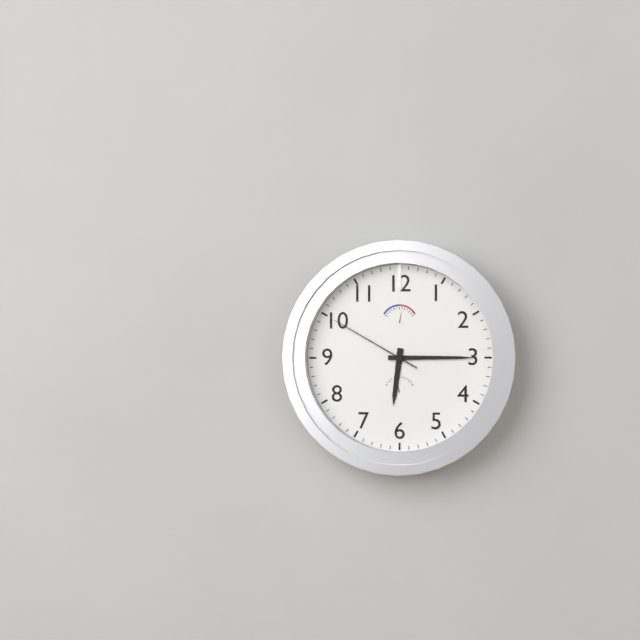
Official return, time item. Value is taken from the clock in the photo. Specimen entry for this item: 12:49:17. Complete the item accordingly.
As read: 6:15:50
